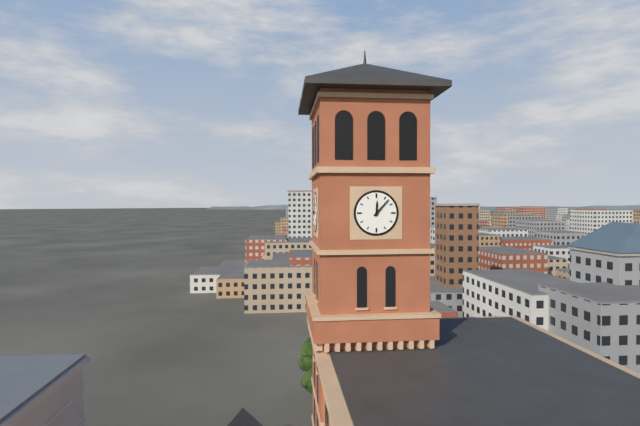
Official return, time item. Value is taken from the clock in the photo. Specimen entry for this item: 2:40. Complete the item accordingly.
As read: 12:07
